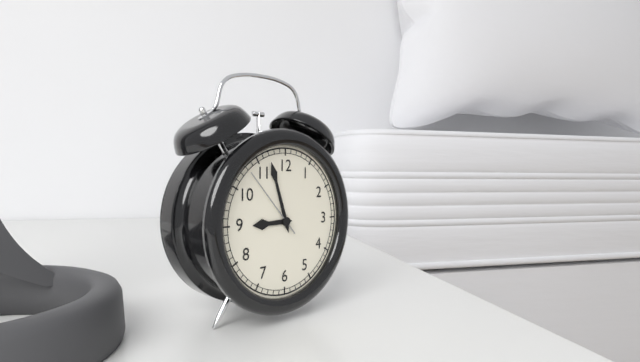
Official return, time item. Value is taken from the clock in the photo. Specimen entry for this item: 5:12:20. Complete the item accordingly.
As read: 8:57:53
